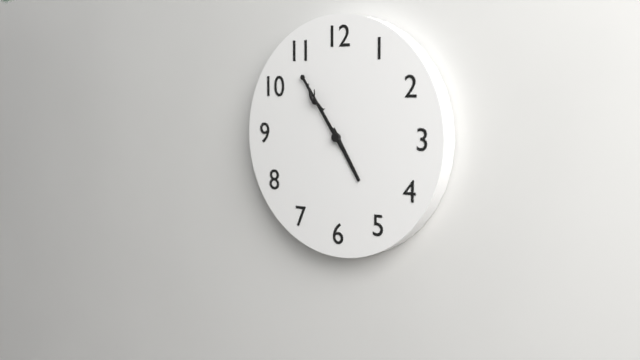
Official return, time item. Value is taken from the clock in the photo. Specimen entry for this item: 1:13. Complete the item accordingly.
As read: 4:54
